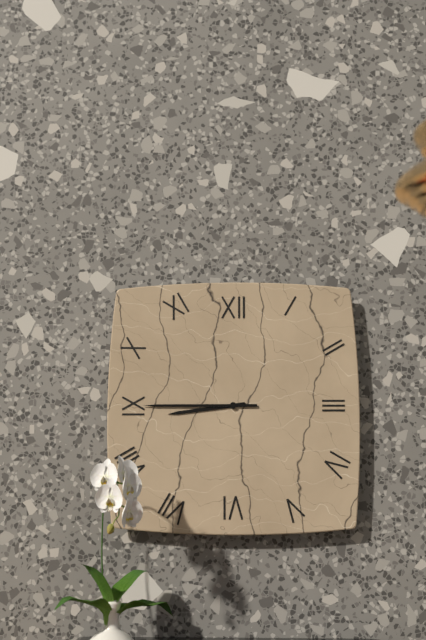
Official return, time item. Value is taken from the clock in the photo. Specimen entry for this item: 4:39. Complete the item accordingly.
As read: 8:45
